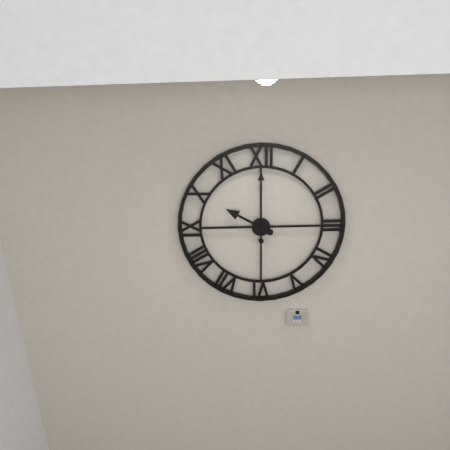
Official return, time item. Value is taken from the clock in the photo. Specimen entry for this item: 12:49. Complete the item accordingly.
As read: 10:00
